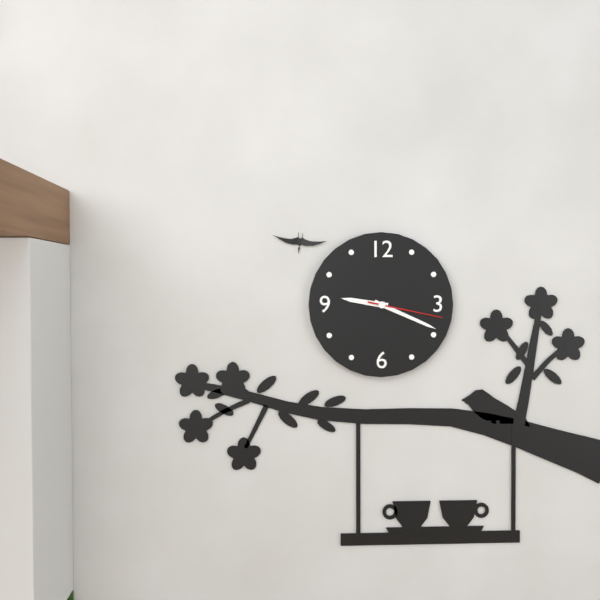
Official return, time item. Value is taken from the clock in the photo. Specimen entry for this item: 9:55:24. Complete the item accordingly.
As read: 9:19:17
